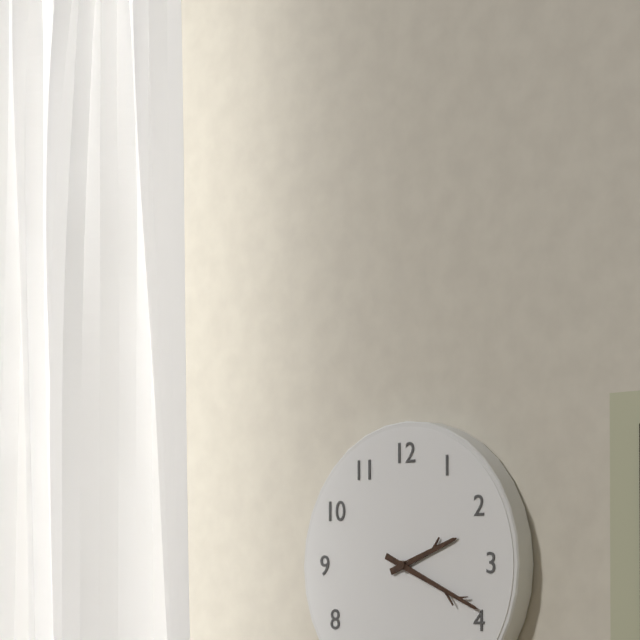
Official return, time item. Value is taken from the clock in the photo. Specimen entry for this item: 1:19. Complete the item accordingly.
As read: 2:19
